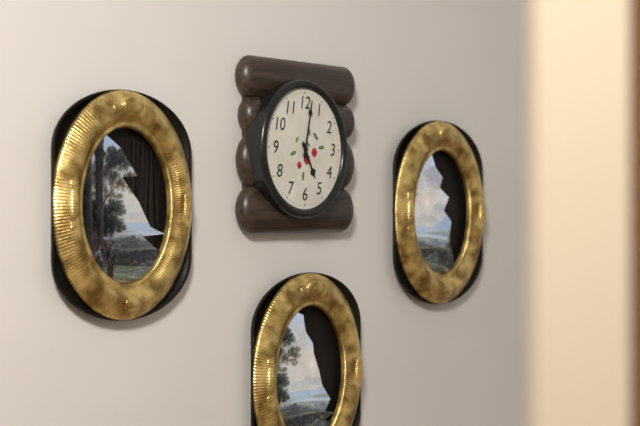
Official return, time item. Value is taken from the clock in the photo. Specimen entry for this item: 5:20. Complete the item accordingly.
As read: 5:02
